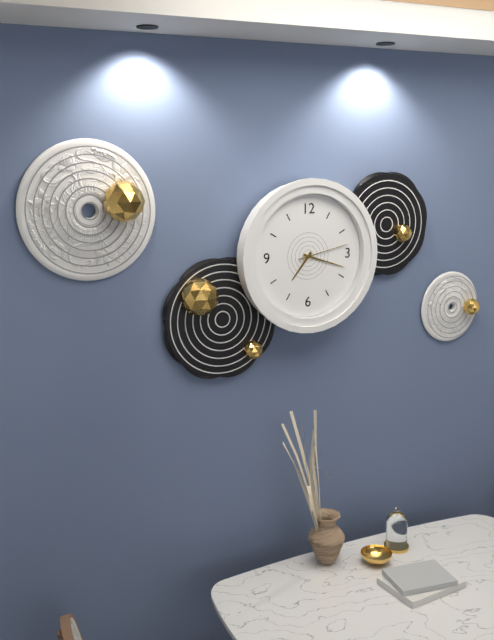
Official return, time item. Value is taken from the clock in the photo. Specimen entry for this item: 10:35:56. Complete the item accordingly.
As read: 7:18:13
